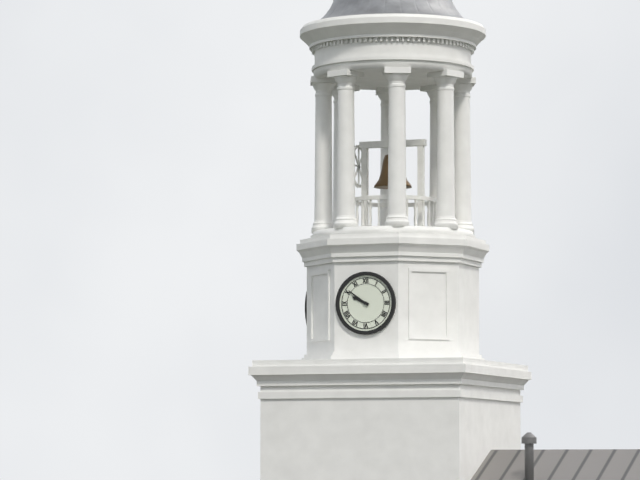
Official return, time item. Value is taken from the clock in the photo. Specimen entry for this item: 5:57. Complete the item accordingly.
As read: 9:51
